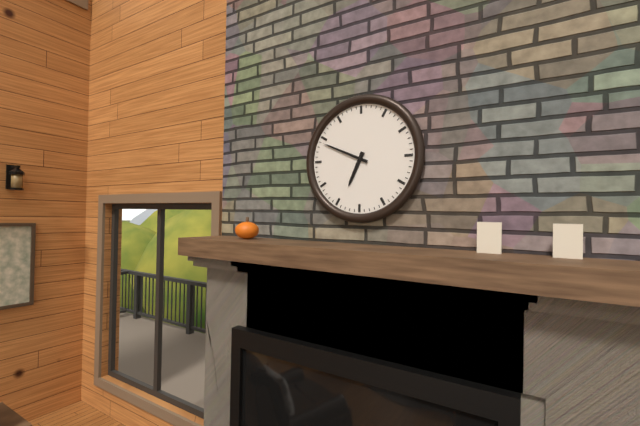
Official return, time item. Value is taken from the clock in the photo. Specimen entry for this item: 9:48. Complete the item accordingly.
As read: 6:49
